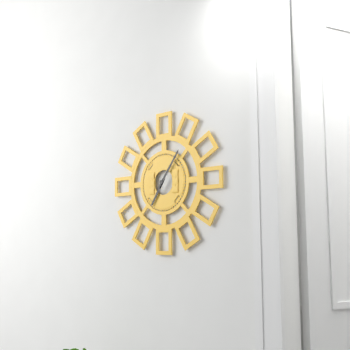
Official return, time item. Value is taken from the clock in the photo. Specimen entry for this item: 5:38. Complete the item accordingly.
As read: 7:06
